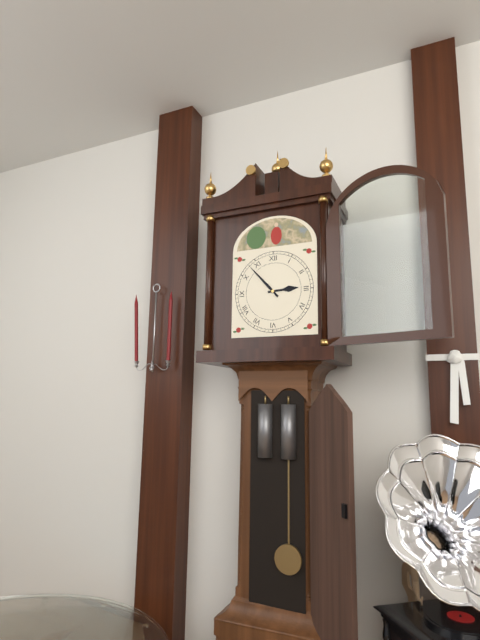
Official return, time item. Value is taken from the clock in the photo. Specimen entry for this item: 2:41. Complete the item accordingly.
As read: 2:53
